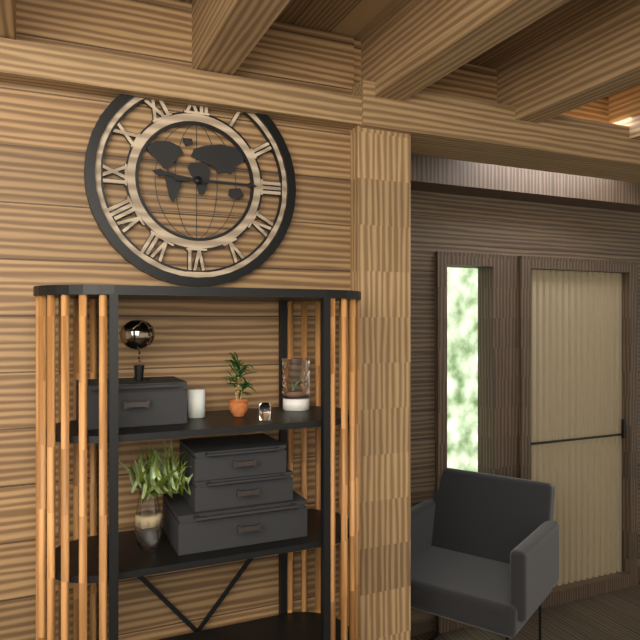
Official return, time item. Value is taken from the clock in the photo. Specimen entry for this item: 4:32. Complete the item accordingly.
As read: 9:15
